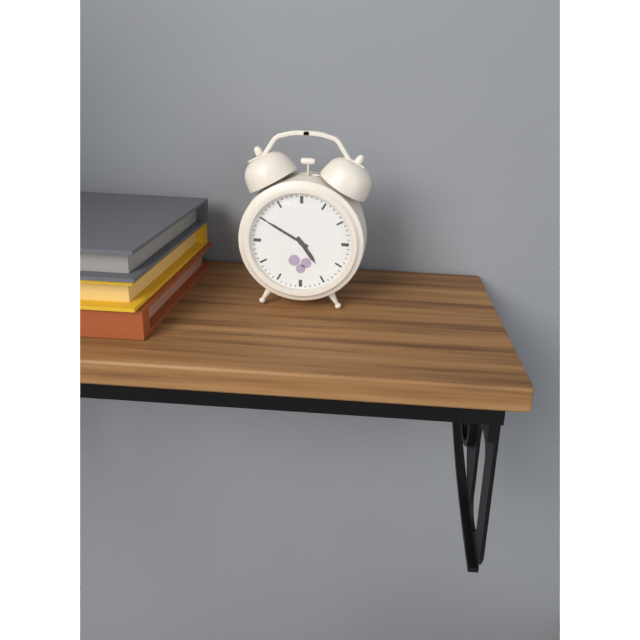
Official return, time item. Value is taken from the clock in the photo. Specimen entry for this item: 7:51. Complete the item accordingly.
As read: 4:50
